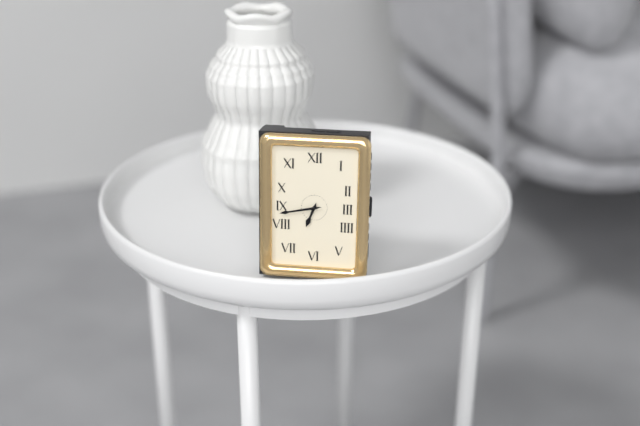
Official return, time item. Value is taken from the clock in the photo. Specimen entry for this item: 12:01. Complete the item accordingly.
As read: 6:43
